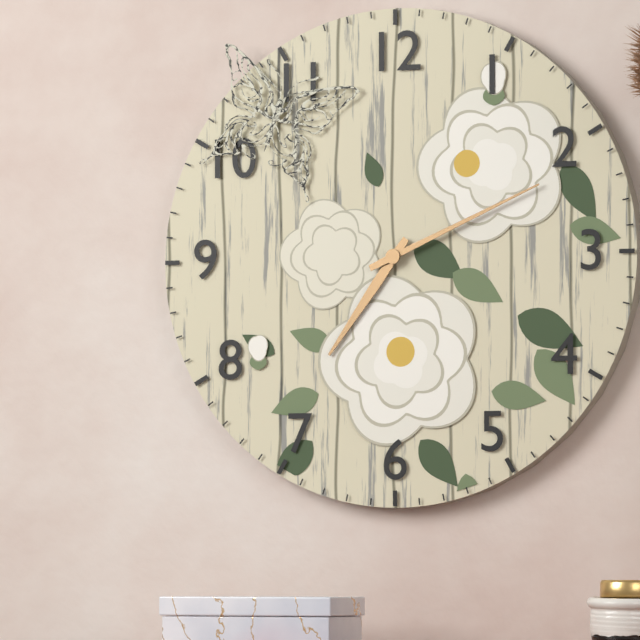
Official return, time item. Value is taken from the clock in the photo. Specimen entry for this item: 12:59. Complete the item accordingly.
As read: 7:11
